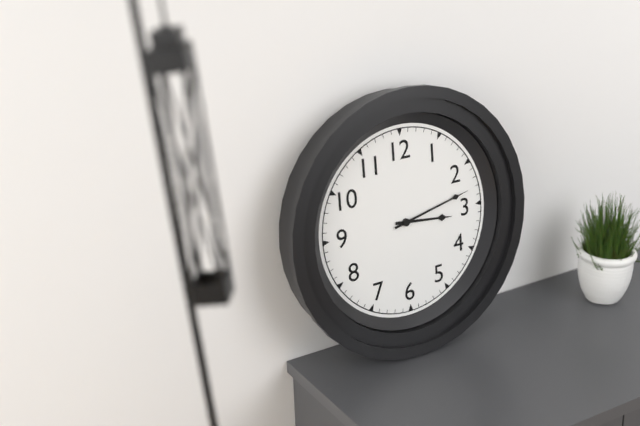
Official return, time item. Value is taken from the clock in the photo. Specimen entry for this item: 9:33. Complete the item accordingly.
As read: 3:13
